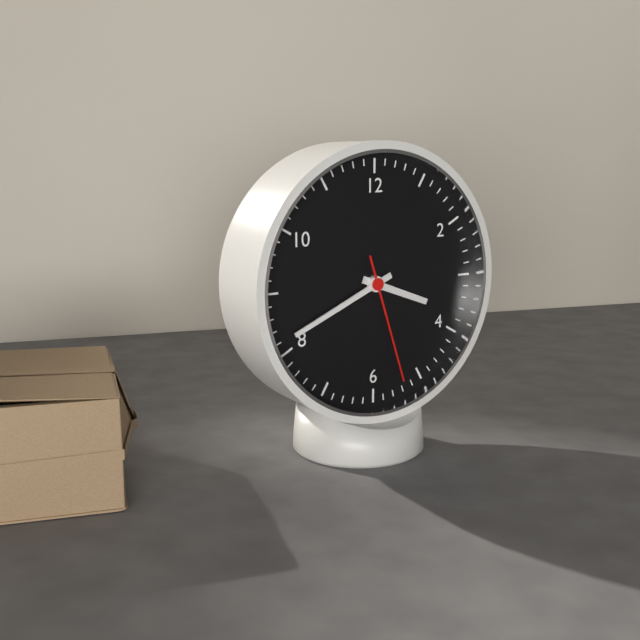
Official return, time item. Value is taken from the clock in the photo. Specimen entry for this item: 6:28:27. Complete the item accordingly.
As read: 3:41:27
